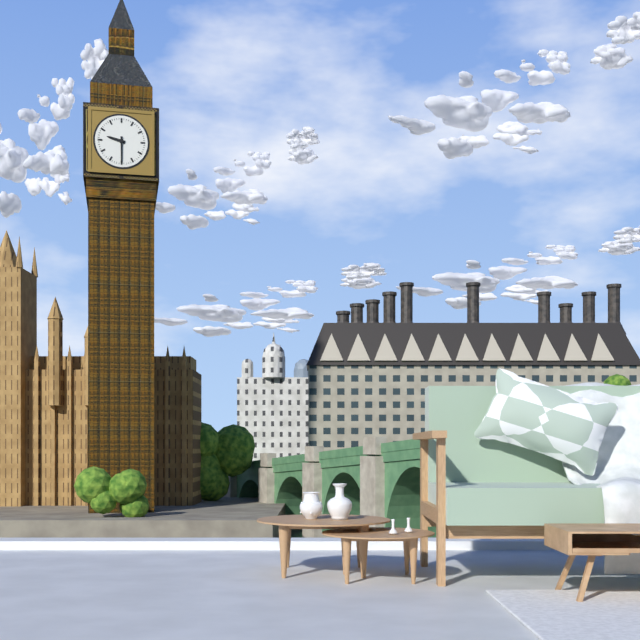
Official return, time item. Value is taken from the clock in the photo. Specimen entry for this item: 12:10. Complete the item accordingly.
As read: 9:30
